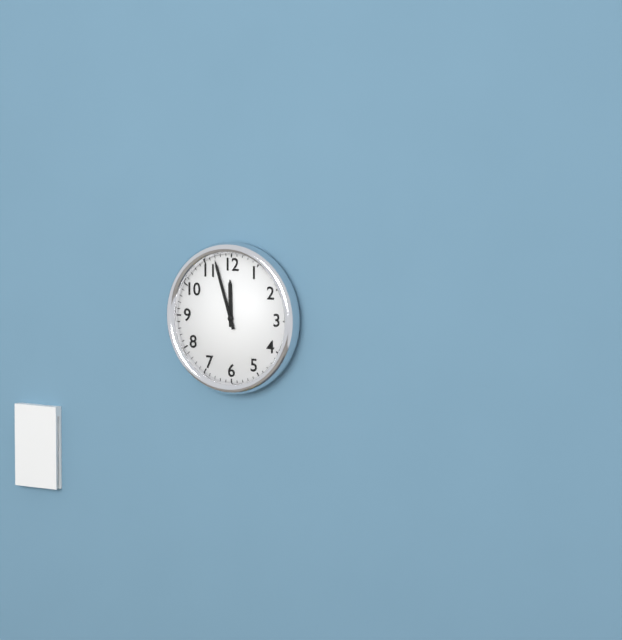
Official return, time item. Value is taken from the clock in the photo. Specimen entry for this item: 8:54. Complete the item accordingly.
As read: 11:57
